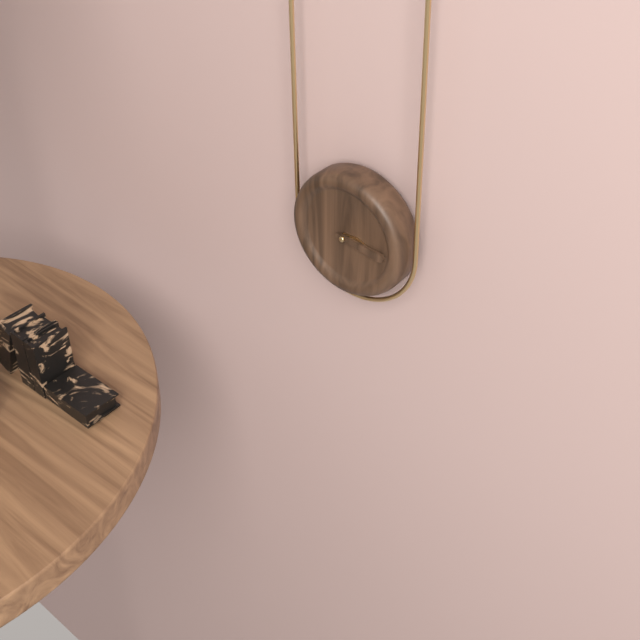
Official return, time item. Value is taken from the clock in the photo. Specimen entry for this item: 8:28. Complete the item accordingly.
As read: 3:16
